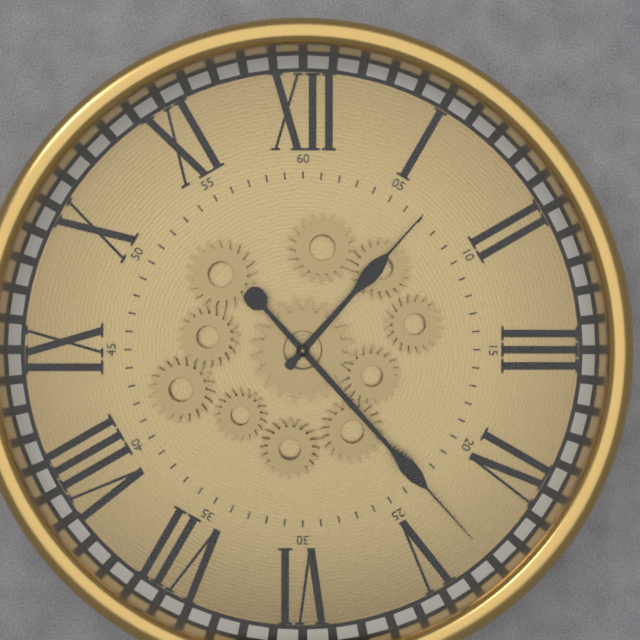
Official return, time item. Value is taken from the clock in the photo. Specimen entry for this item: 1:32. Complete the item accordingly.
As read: 1:23
